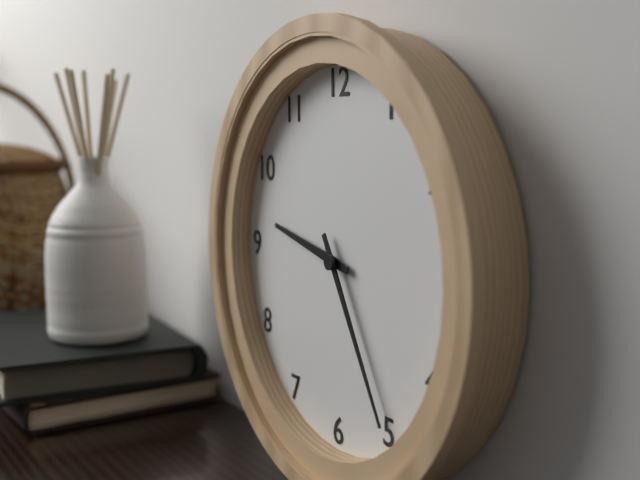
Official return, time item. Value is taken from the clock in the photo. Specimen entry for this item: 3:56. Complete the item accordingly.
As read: 9:25
